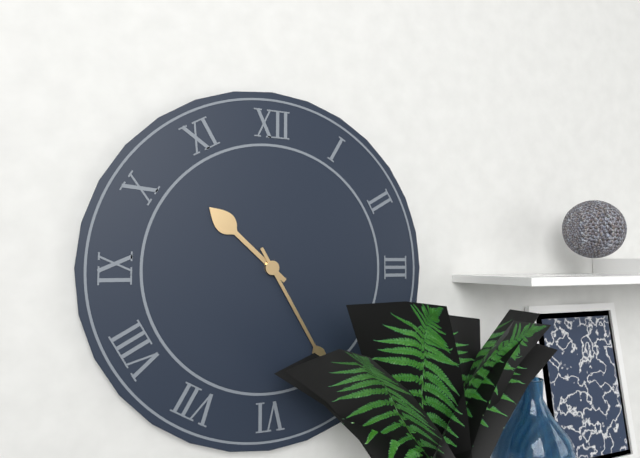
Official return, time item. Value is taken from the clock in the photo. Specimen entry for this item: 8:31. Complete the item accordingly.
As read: 10:25
